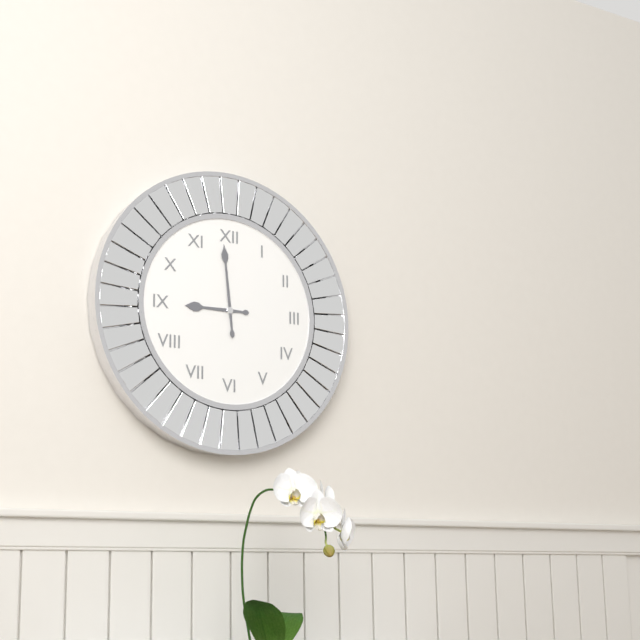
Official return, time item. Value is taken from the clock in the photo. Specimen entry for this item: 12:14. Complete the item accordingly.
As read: 8:59
